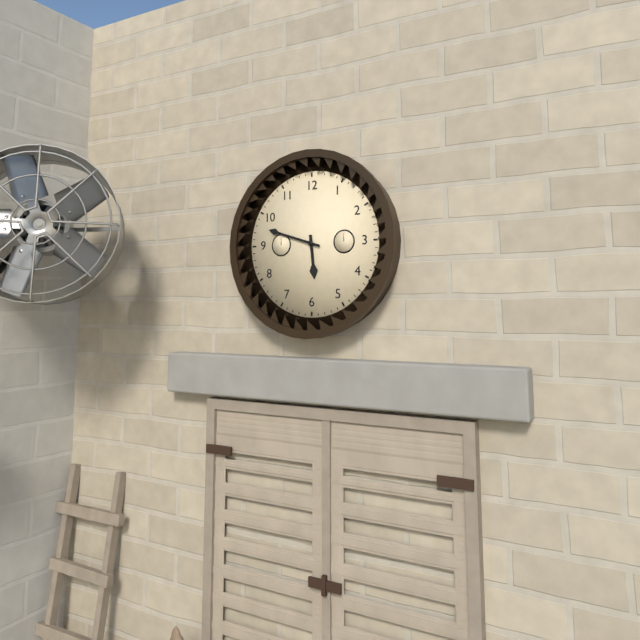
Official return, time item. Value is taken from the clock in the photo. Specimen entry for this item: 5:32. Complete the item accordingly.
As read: 5:48
